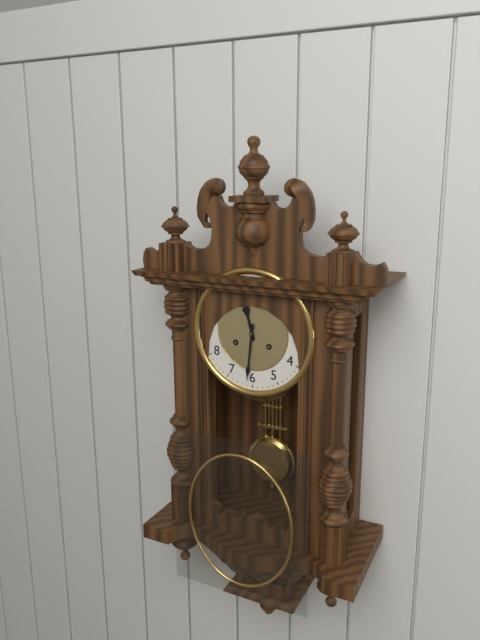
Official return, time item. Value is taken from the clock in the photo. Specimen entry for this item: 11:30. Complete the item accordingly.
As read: 11:31
